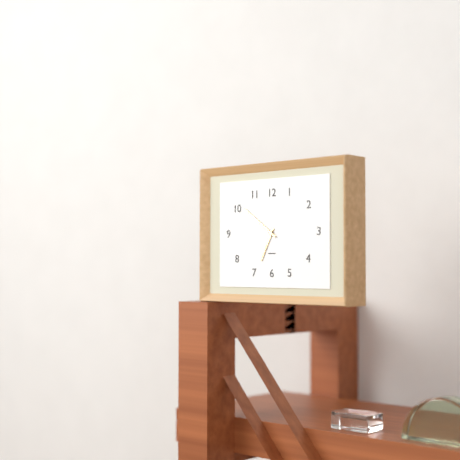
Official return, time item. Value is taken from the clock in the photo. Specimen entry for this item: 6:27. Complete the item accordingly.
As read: 6:51
